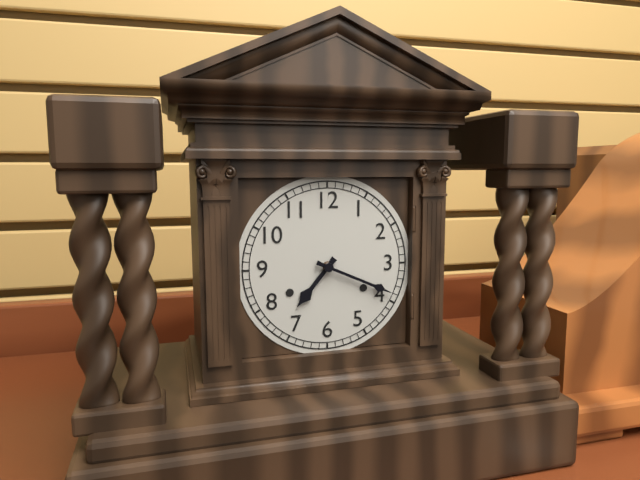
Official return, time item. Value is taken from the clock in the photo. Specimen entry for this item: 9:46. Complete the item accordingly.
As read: 7:19
